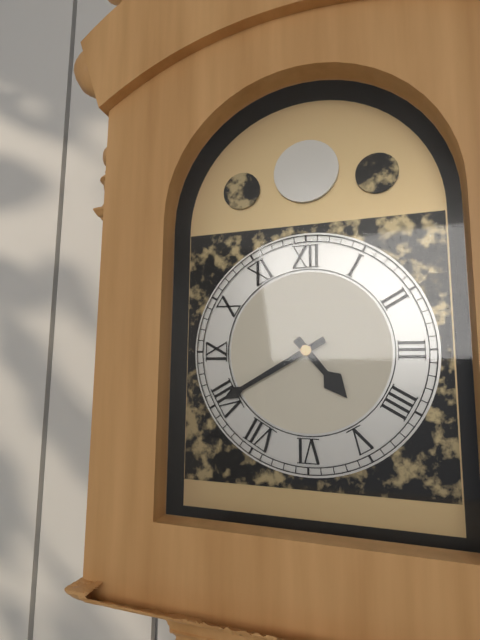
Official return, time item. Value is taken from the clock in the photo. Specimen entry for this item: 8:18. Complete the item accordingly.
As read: 4:40
